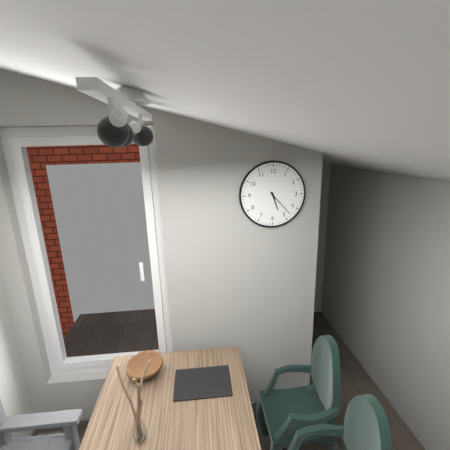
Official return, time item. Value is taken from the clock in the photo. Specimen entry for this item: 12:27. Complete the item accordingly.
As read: 5:23
